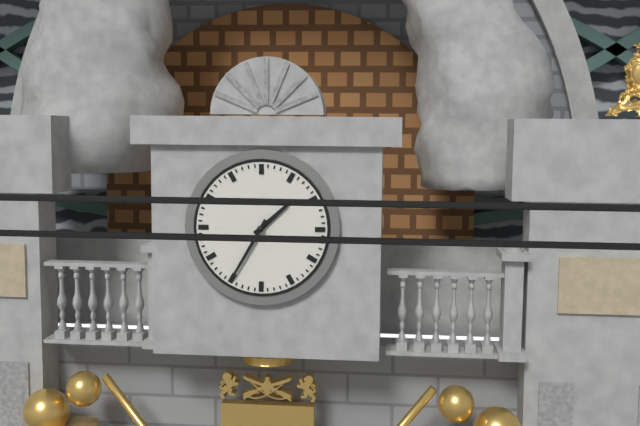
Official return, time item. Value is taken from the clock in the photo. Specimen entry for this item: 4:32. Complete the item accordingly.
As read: 1:35
